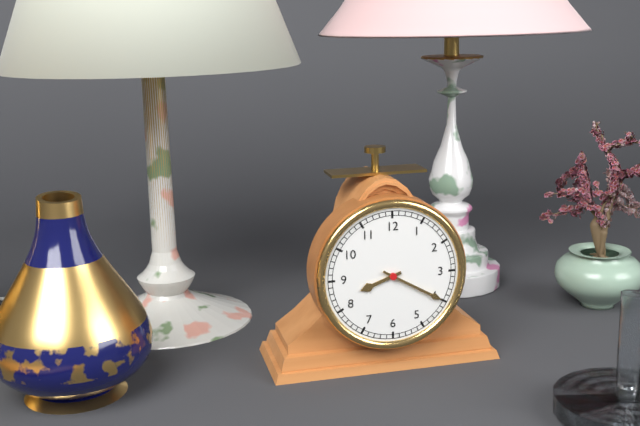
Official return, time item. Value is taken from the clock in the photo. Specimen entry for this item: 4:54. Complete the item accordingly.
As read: 8:20
